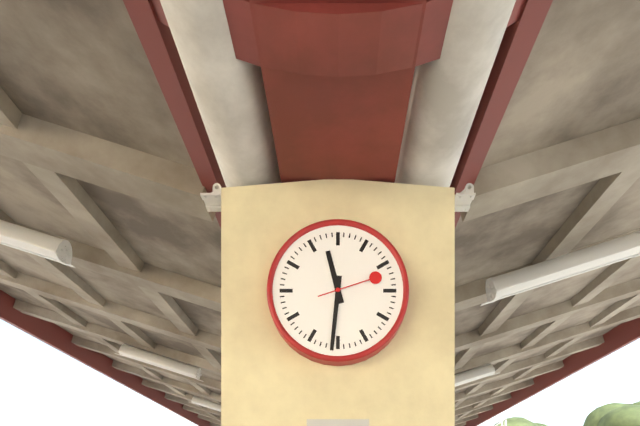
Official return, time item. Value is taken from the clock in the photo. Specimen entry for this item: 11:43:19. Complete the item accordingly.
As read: 11:31:12
